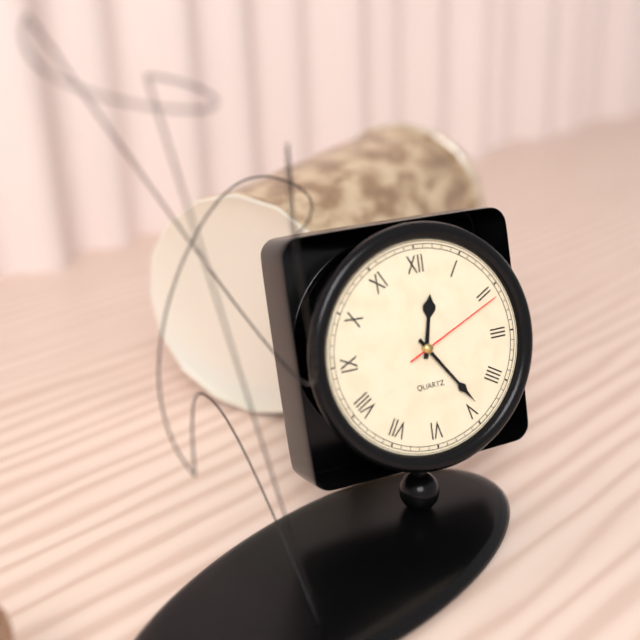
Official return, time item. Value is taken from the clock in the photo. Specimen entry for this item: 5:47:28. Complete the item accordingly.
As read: 12:24:11
